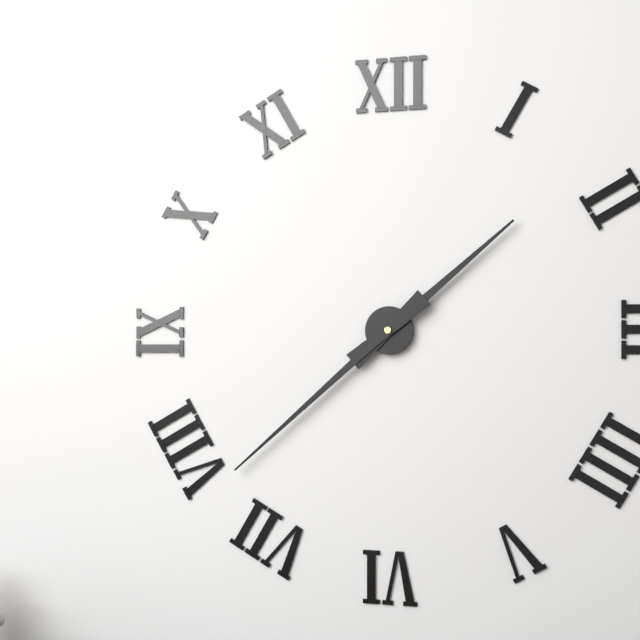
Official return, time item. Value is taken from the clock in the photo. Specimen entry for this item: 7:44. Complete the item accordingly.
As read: 1:38
